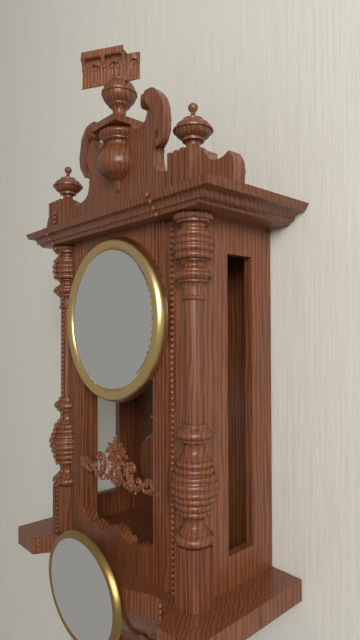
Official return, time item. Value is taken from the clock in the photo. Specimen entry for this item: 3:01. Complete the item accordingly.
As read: 7:59
